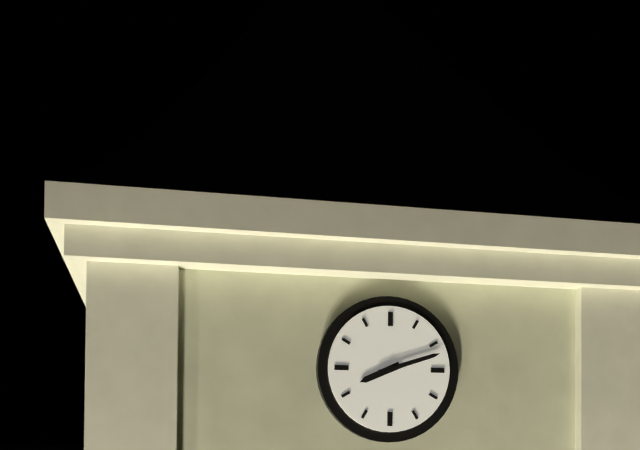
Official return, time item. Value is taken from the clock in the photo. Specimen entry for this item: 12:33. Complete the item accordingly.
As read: 8:12
